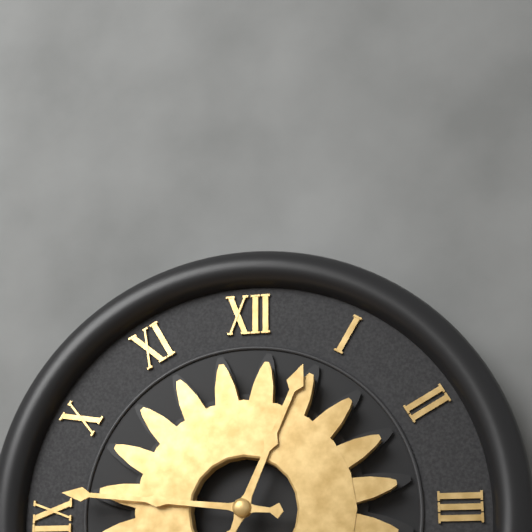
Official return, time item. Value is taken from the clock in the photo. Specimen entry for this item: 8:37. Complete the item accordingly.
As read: 12:46
